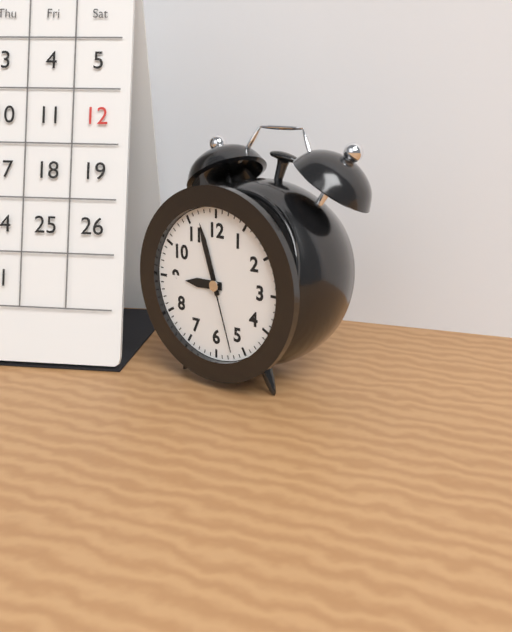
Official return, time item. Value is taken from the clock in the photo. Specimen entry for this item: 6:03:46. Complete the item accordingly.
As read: 8:57:27
